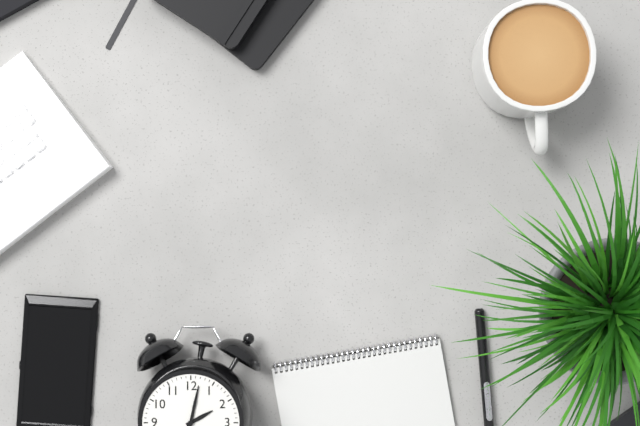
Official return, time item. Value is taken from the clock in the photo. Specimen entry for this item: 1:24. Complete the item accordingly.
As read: 2:02
